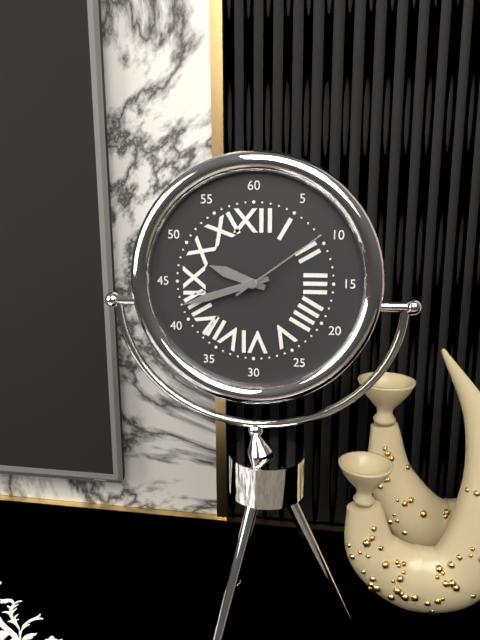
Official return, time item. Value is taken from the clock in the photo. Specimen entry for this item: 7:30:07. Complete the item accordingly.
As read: 9:42:09
